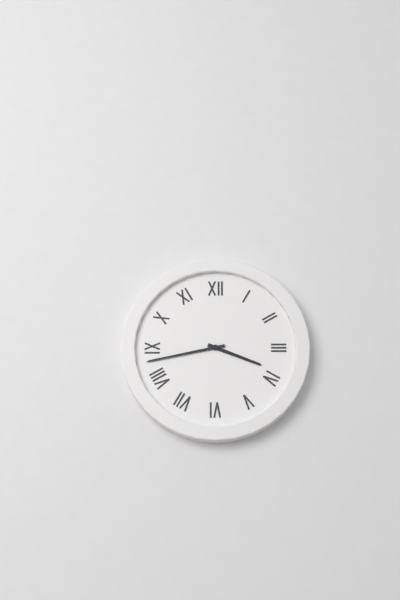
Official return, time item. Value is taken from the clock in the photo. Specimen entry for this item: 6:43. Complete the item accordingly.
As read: 3:43
